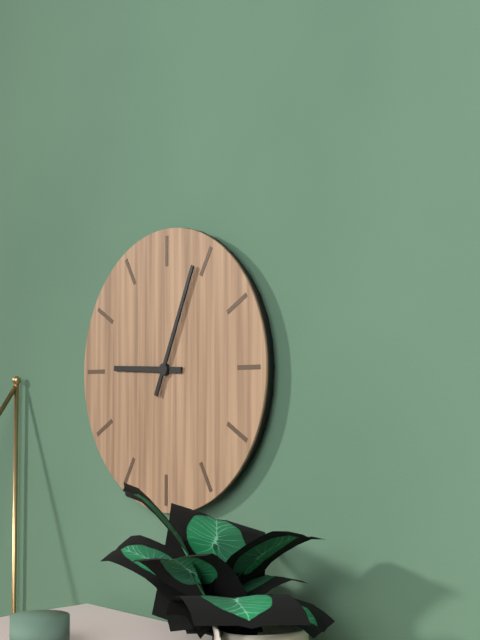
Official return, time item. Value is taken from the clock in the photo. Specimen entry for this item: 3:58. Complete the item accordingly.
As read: 9:04
